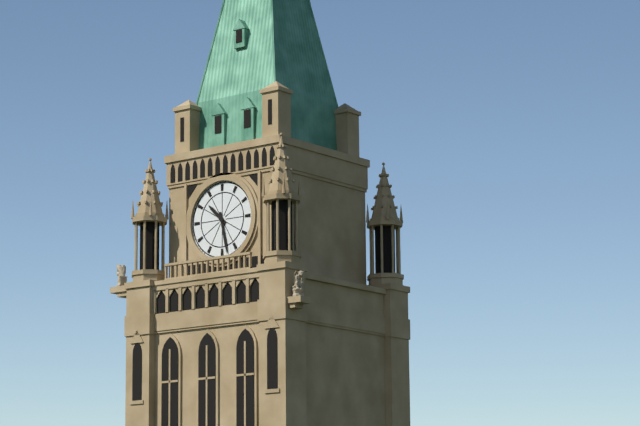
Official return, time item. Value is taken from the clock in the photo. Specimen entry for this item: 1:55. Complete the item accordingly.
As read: 10:28
